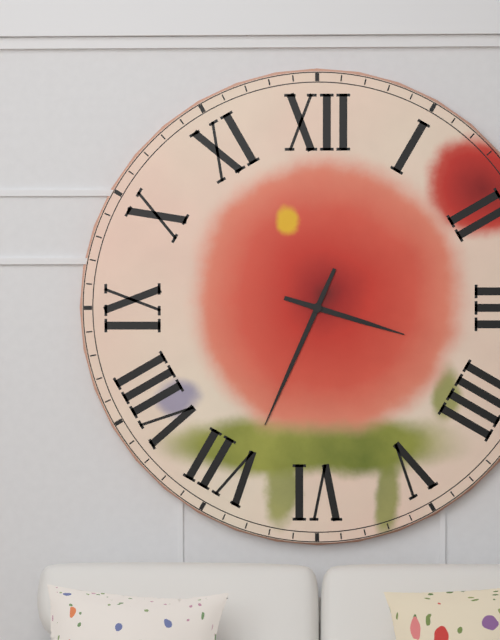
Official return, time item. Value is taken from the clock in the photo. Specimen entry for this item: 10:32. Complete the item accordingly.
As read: 3:34
